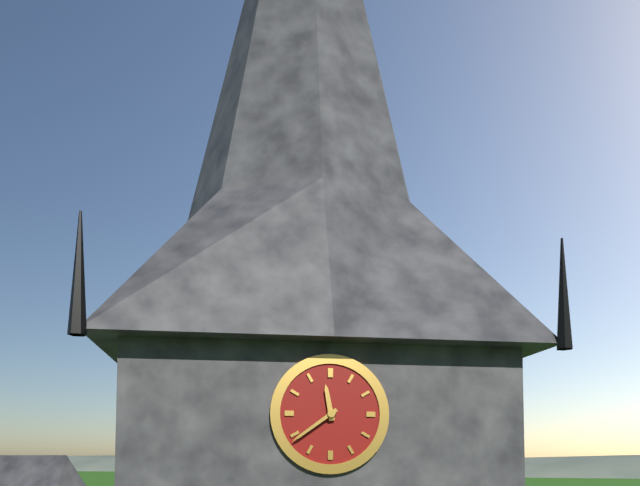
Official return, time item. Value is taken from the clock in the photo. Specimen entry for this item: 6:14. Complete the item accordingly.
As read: 11:39
